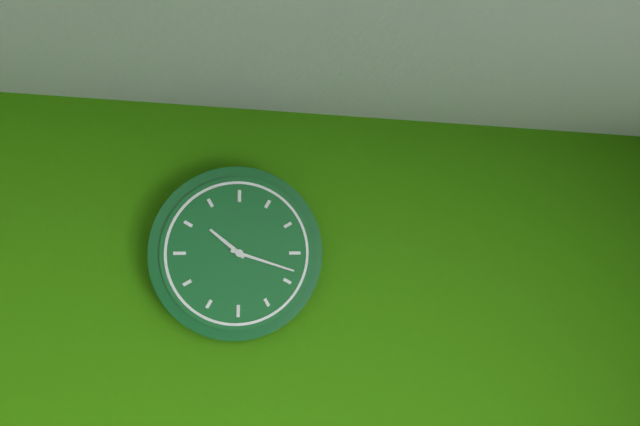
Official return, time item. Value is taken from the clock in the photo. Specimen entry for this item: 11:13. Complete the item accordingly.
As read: 10:18
